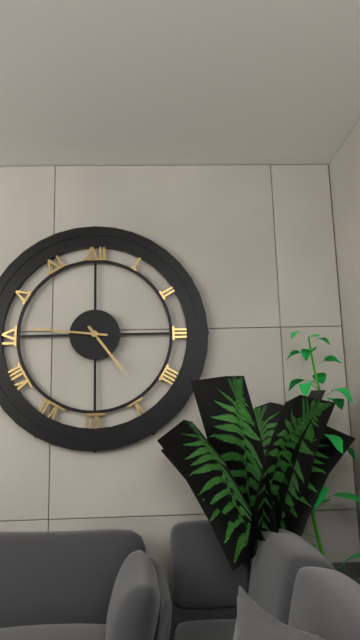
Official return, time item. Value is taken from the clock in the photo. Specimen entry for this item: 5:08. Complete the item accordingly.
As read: 4:46
